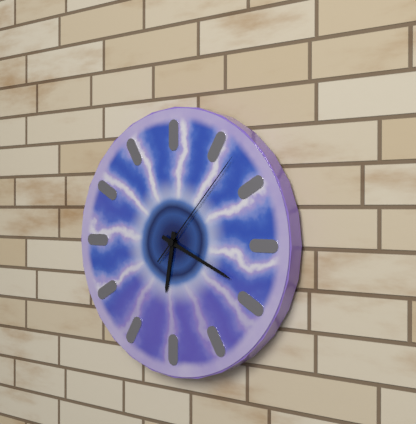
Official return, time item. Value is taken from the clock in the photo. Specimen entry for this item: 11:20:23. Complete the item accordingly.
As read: 6:19:07
